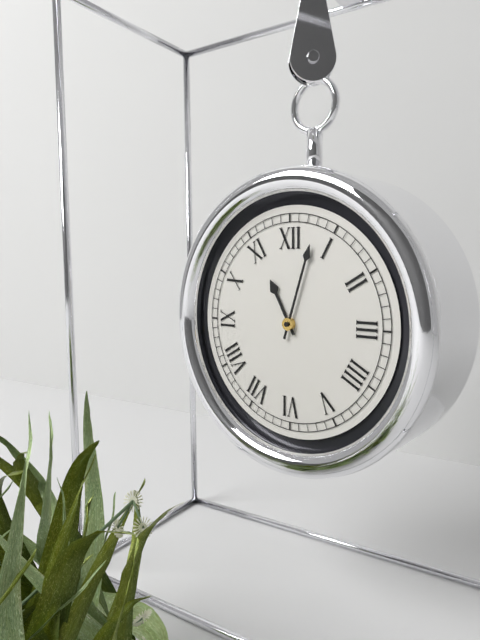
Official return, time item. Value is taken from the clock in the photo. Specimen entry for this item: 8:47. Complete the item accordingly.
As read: 11:03
